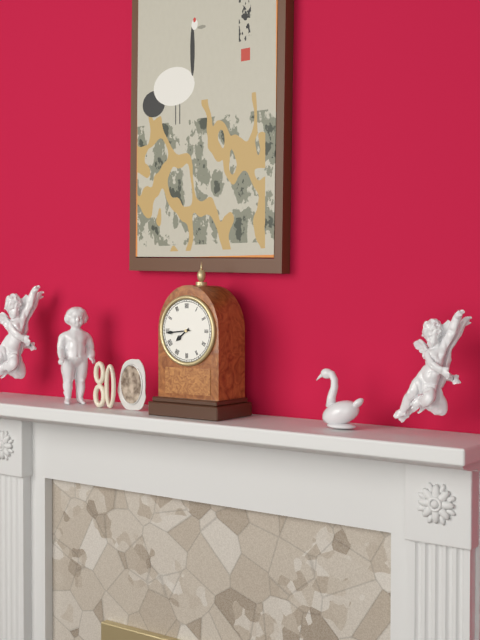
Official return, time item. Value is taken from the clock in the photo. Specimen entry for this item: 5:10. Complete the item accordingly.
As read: 7:44
